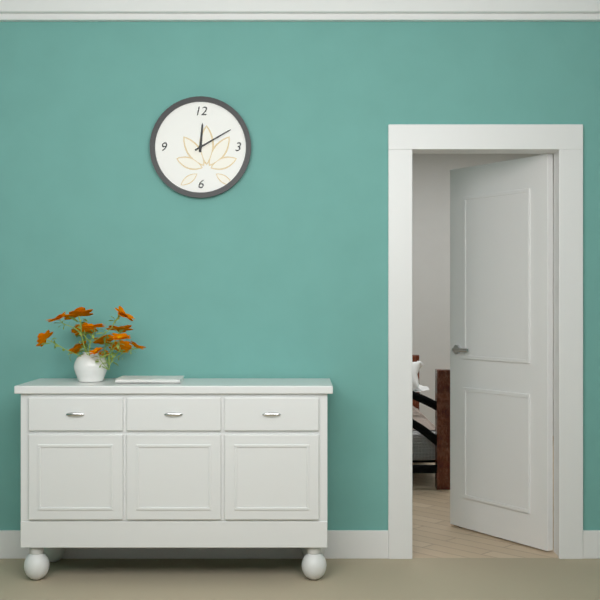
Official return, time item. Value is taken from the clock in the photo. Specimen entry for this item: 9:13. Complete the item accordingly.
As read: 12:10
